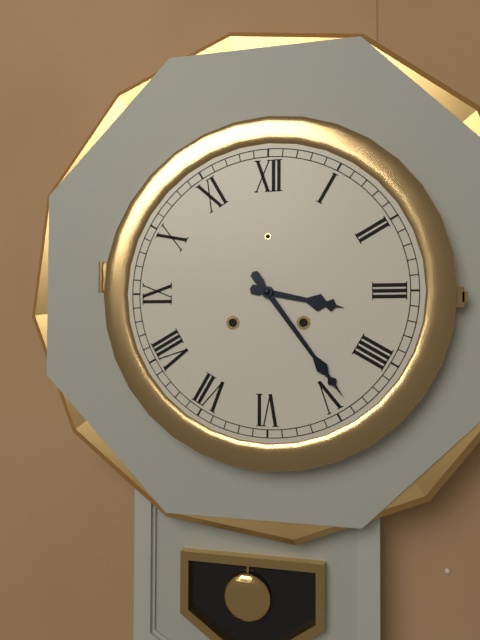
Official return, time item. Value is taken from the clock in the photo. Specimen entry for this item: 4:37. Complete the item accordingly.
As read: 3:24
